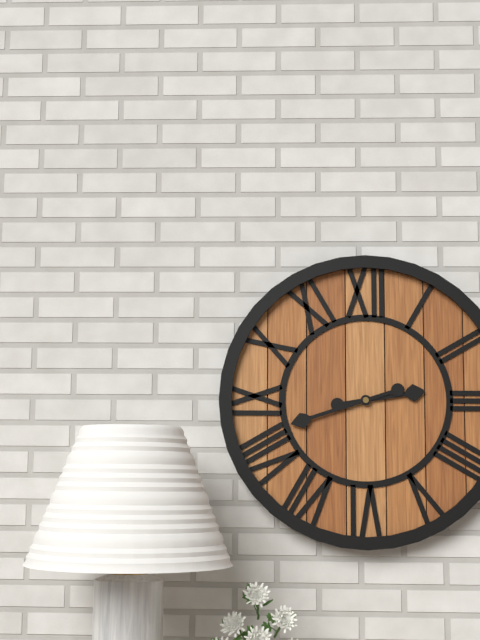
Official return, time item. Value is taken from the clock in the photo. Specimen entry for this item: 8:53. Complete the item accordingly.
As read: 2:42
